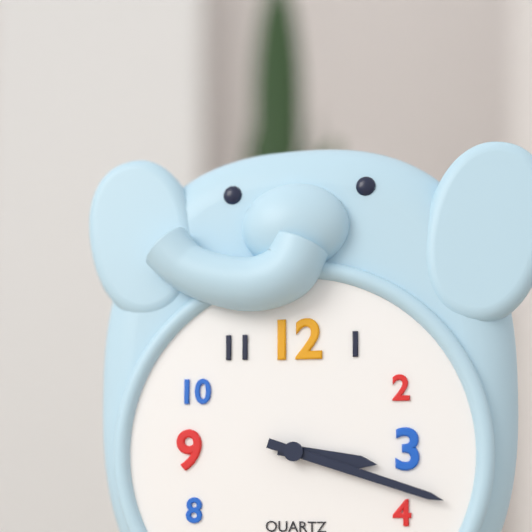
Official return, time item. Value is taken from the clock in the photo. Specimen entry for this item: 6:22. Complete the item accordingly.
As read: 3:18
